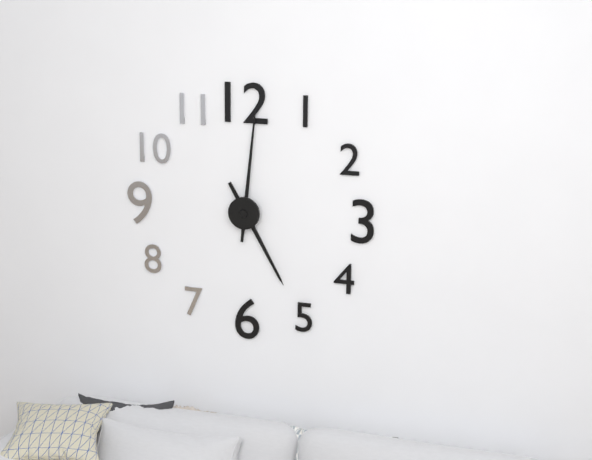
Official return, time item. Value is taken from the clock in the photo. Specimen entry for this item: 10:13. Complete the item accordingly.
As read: 5:01
